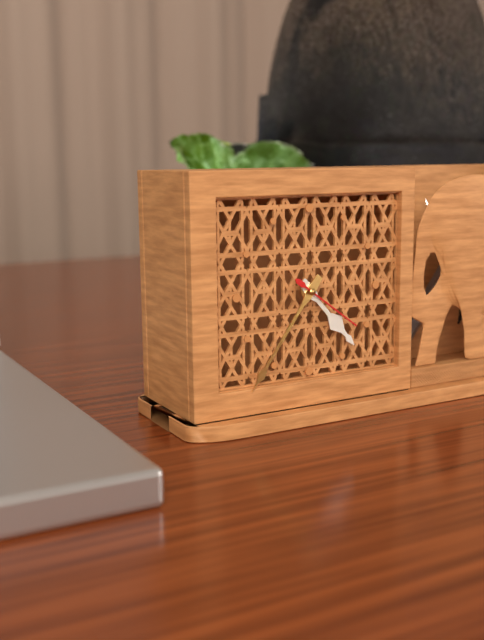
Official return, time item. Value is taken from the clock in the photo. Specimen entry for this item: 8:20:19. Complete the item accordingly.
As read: 4:36:21
